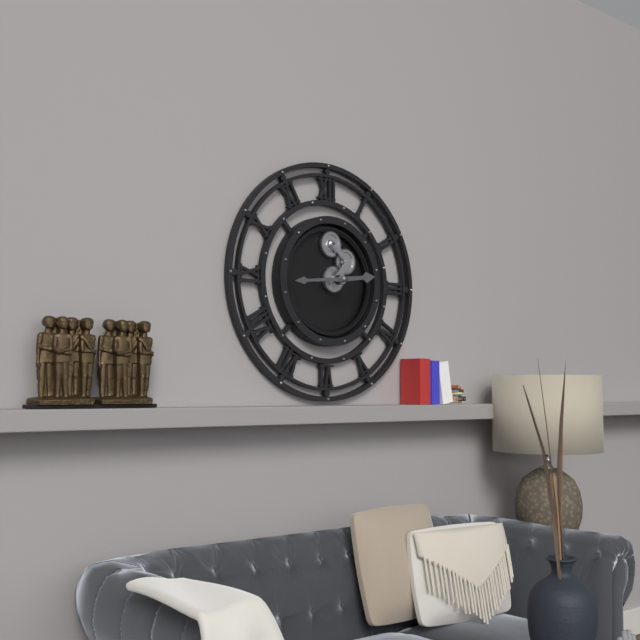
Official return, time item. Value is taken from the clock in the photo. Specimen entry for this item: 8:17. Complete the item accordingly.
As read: 2:44
